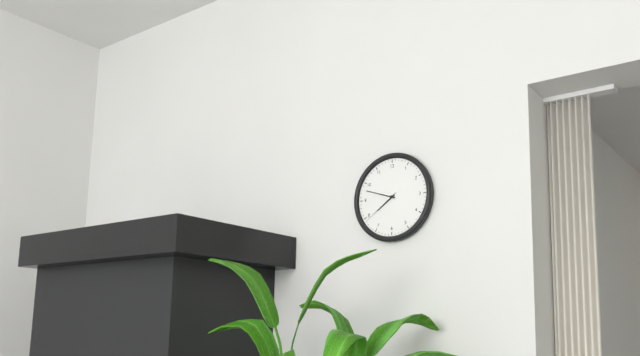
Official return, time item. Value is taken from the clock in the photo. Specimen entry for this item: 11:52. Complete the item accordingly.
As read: 7:48
